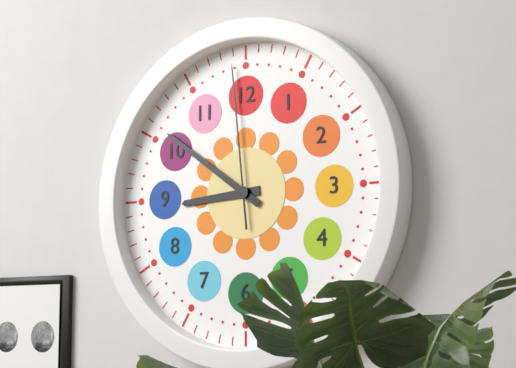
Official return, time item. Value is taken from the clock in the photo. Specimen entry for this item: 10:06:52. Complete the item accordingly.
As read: 8:51:59
